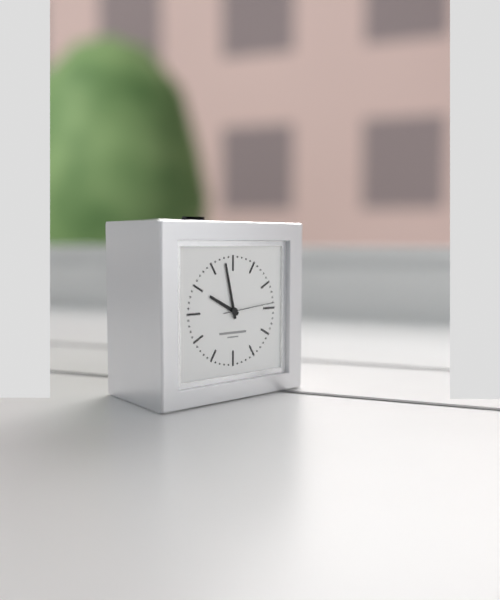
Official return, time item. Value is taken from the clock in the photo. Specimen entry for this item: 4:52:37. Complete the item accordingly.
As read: 9:58:14
